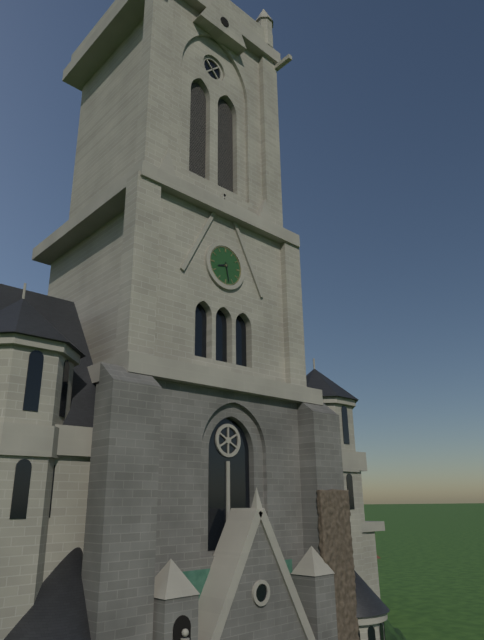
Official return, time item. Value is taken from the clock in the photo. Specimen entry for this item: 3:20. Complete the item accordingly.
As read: 8:28
